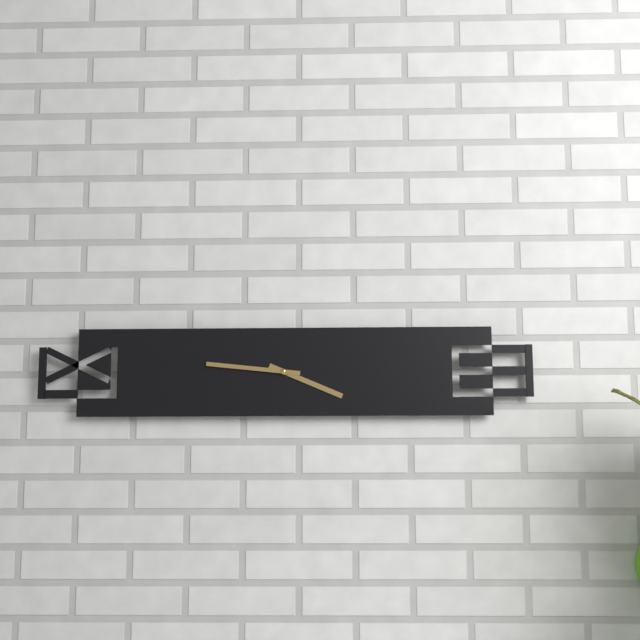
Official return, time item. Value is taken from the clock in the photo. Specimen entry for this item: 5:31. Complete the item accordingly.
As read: 3:46
